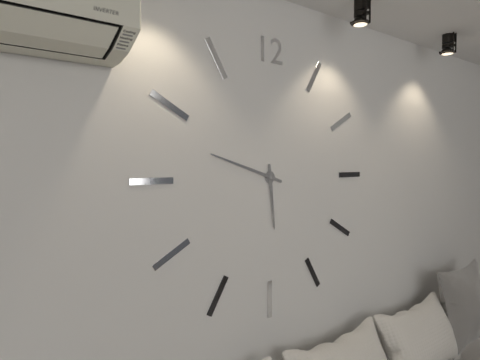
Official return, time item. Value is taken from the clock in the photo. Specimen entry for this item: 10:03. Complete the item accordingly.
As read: 5:48
